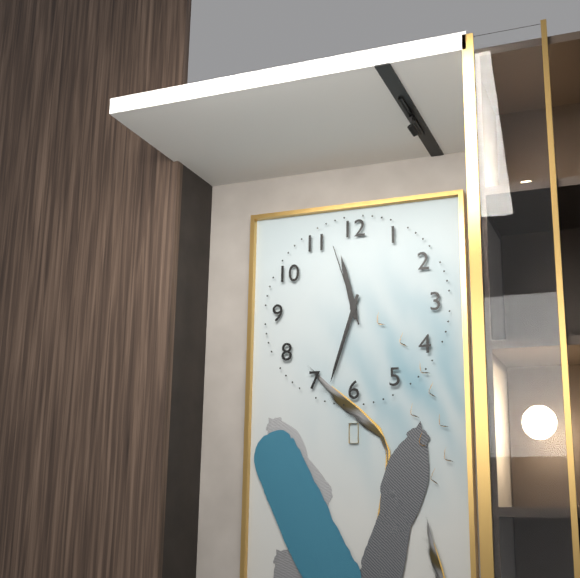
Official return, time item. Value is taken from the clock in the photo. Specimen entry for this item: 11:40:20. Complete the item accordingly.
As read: 11:33:57
